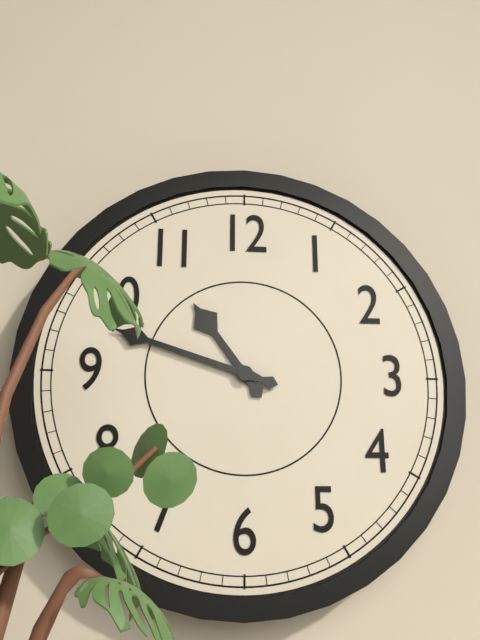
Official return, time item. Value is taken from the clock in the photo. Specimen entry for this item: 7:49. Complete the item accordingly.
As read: 10:48
